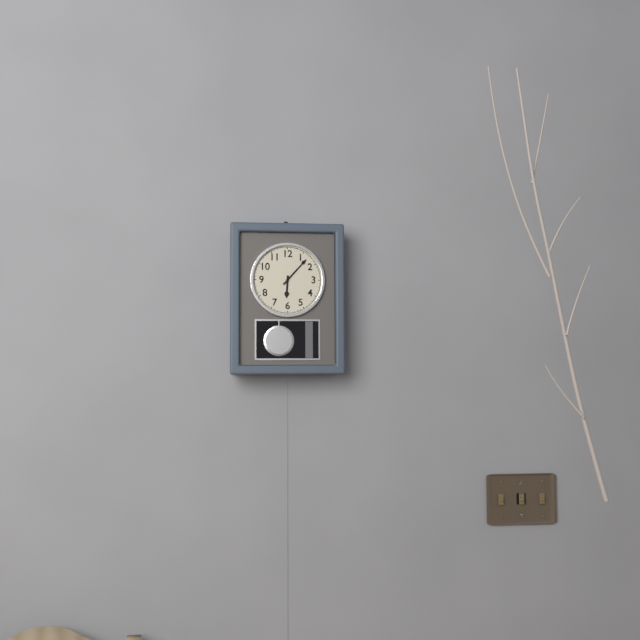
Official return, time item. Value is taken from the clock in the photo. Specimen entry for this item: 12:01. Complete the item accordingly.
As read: 6:07
